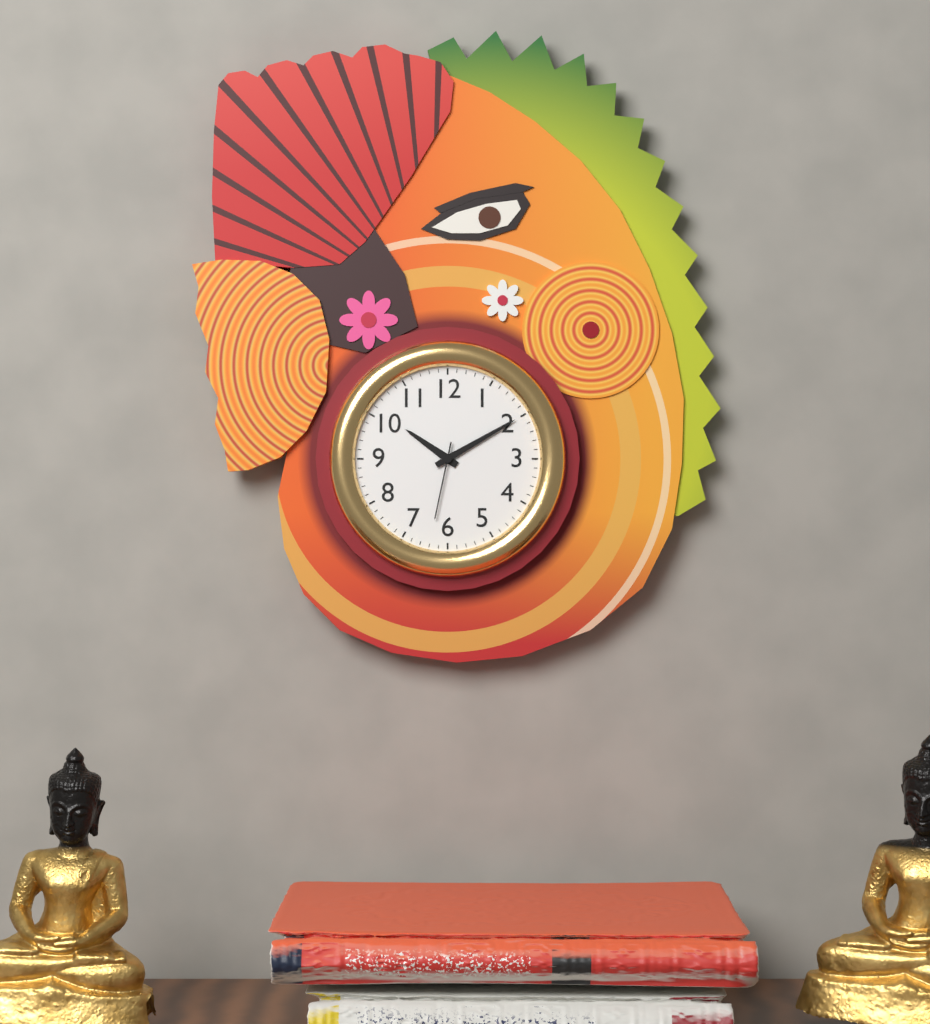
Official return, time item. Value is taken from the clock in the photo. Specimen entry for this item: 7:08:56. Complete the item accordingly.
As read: 10:10:32
